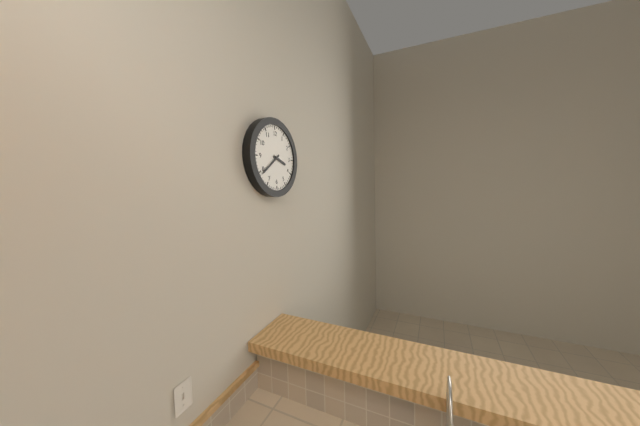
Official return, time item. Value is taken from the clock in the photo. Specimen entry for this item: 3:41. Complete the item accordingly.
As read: 3:39
